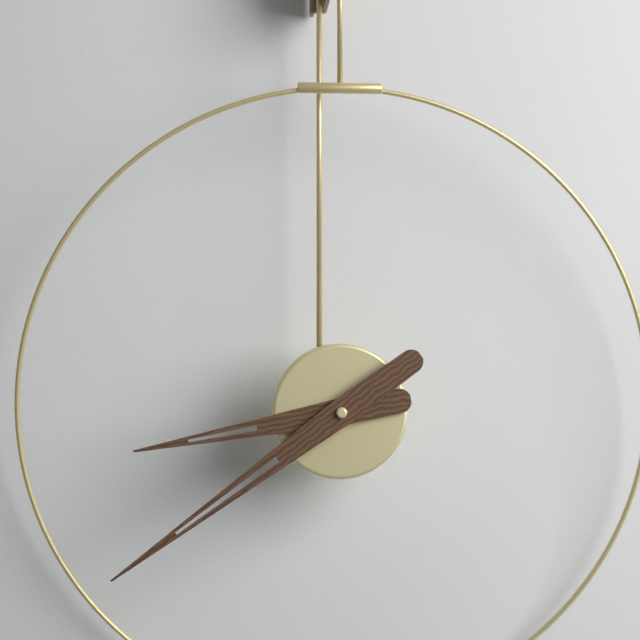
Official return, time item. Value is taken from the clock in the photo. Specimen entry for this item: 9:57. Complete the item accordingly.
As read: 8:39
